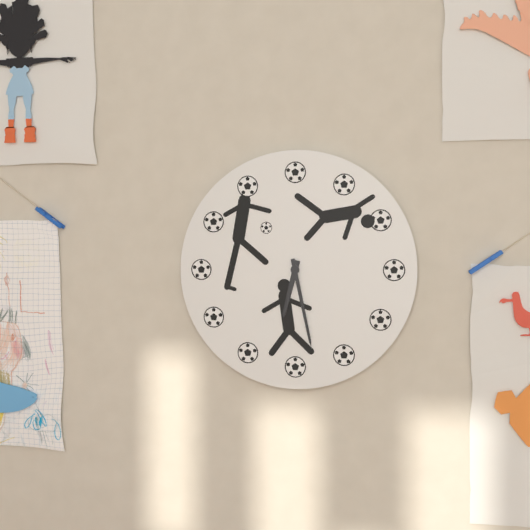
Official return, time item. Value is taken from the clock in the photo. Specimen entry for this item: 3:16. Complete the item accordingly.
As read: 6:28
